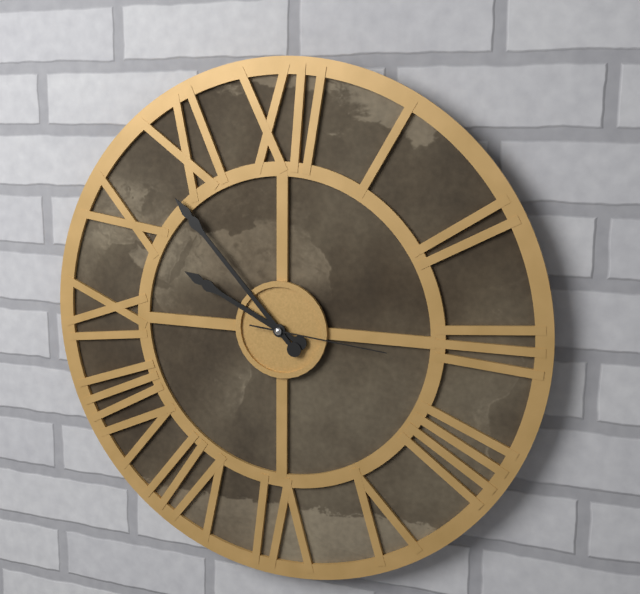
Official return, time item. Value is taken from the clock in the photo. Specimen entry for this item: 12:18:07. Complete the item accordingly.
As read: 9:53:16
